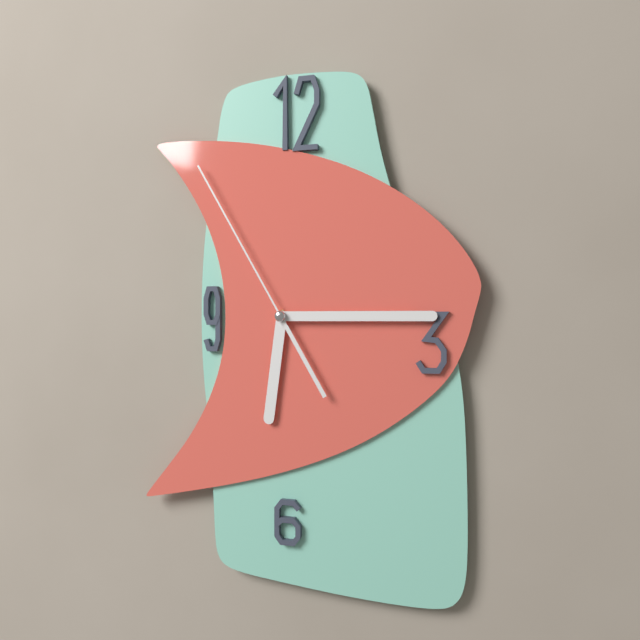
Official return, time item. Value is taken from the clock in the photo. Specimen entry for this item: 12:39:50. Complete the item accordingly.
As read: 6:15:55
